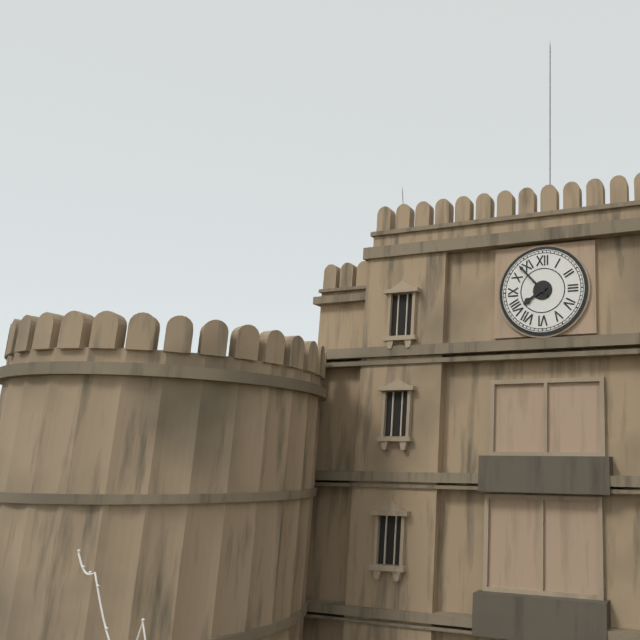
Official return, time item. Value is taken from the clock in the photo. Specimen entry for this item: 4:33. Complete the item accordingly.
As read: 7:53
